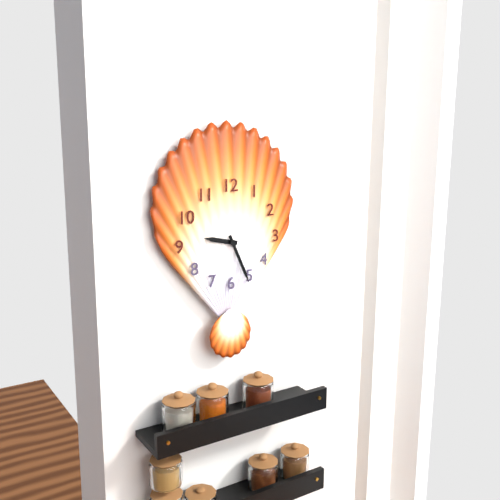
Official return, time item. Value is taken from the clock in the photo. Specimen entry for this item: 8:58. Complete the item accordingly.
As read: 9:26
